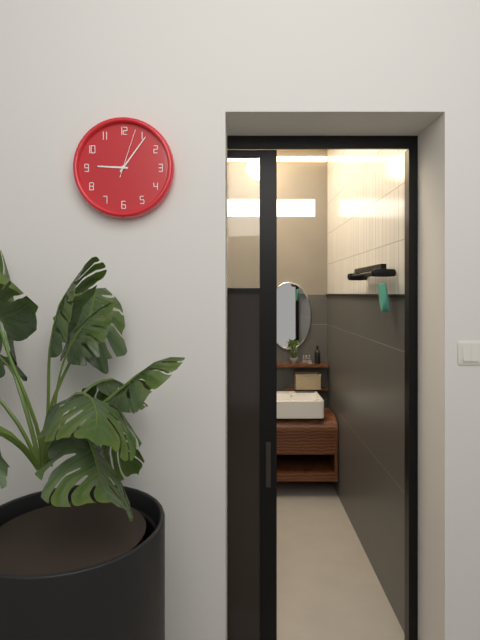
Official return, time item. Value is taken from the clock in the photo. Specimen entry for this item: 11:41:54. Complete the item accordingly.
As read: 9:06:03
